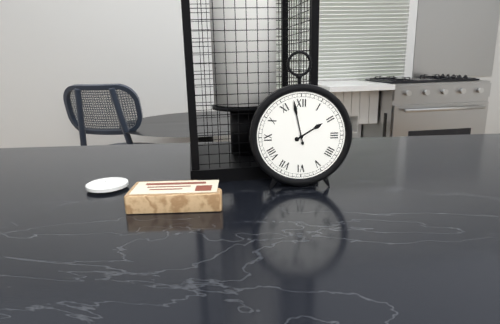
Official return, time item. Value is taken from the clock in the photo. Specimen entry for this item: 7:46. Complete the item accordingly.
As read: 1:58
